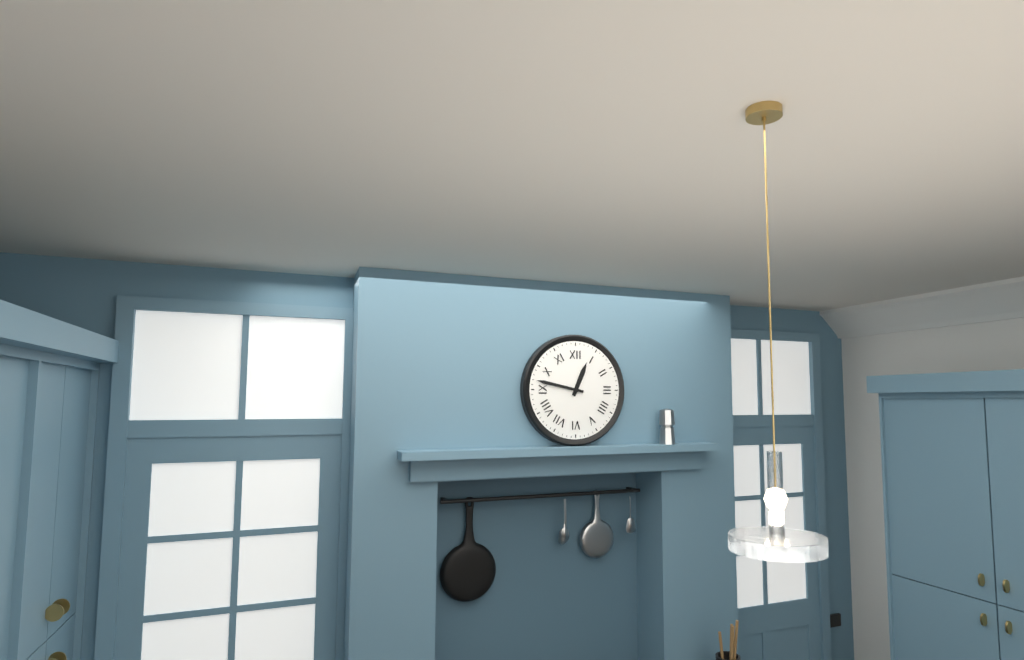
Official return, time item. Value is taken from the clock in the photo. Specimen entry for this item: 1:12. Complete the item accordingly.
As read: 12:47
